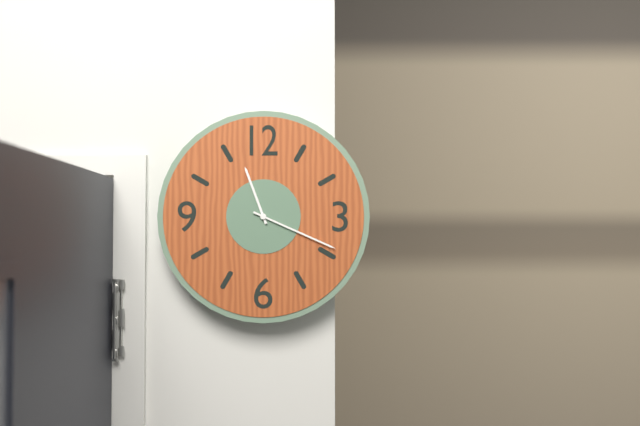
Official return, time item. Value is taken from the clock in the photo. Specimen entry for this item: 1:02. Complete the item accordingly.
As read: 11:19
